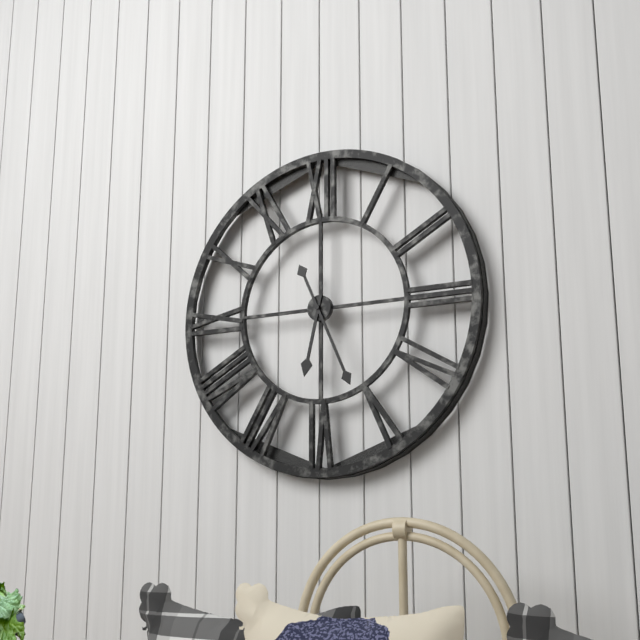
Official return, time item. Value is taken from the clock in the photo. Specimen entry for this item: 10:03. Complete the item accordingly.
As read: 6:26
